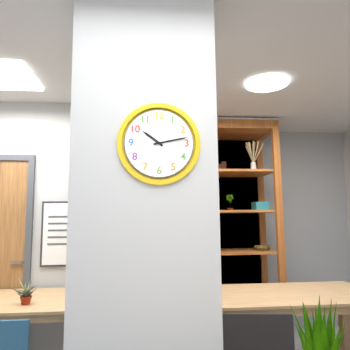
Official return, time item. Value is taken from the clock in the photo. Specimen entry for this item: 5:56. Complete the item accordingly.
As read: 10:13
